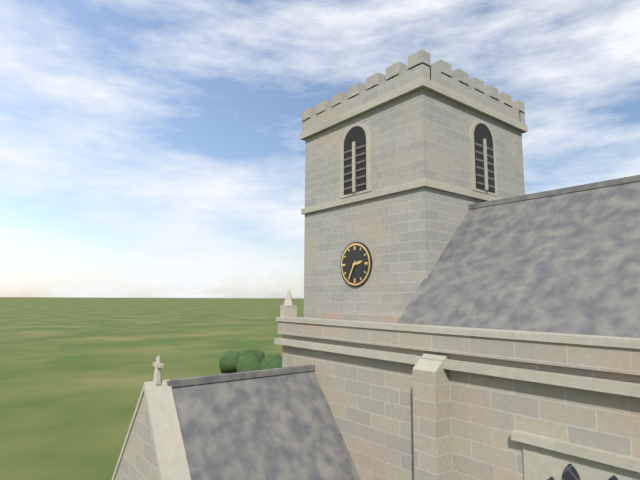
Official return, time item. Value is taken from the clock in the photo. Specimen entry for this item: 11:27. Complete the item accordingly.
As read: 2:35
